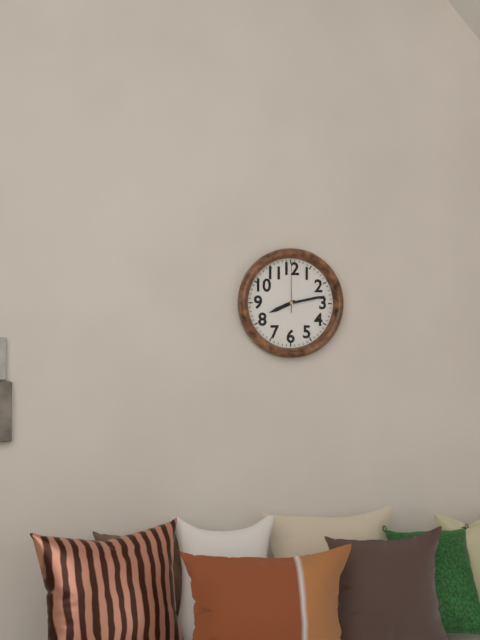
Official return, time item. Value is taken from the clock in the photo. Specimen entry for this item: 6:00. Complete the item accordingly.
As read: 8:13
